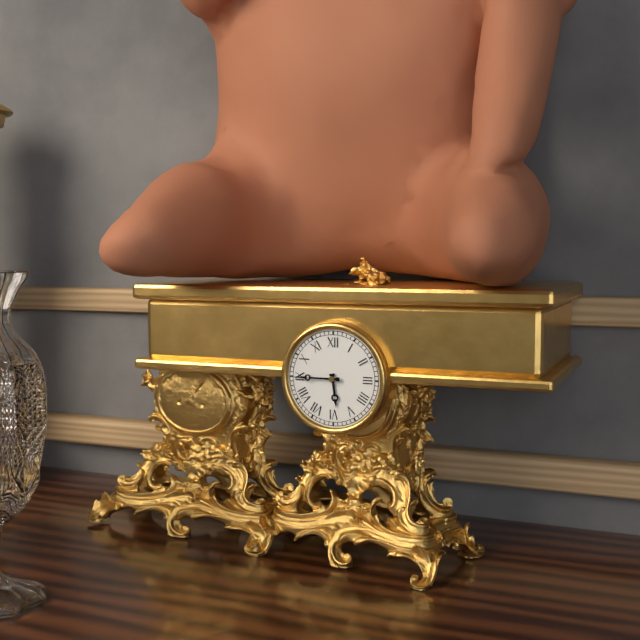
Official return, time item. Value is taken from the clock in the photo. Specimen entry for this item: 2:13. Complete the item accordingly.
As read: 5:45
